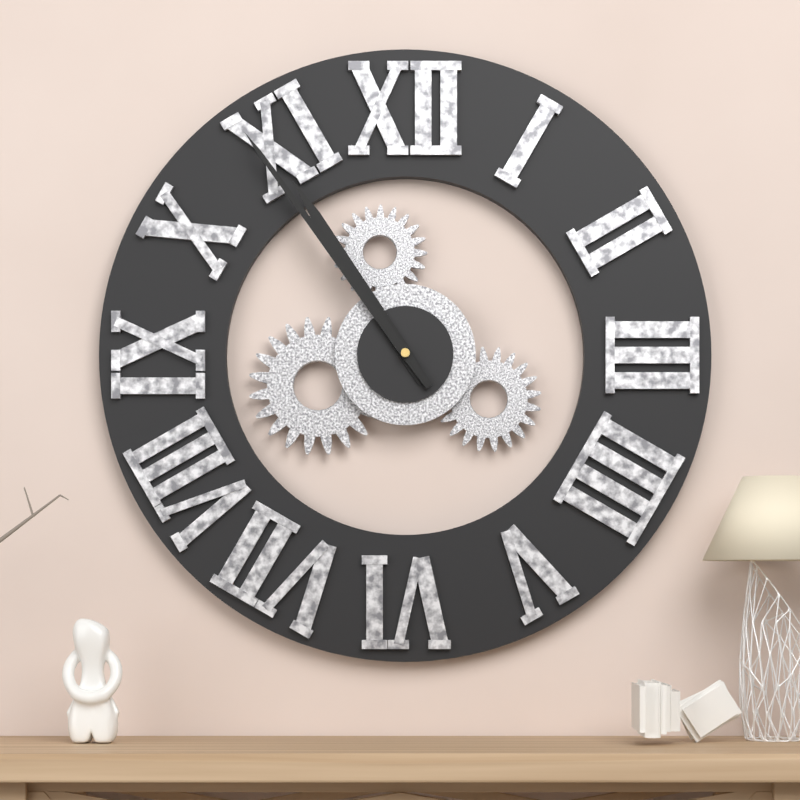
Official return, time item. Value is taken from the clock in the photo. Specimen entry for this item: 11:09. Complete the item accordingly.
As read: 10:54
